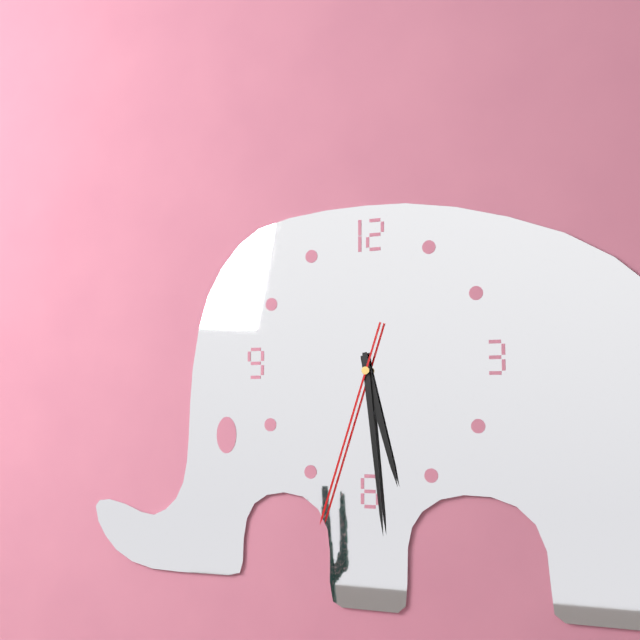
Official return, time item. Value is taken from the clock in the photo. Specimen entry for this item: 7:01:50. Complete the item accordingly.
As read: 5:29:33
